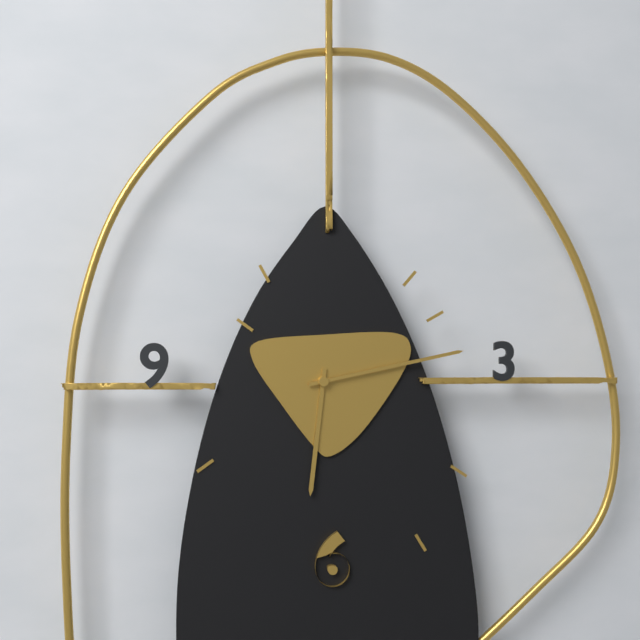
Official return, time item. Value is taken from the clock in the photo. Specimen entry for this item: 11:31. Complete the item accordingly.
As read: 6:13
